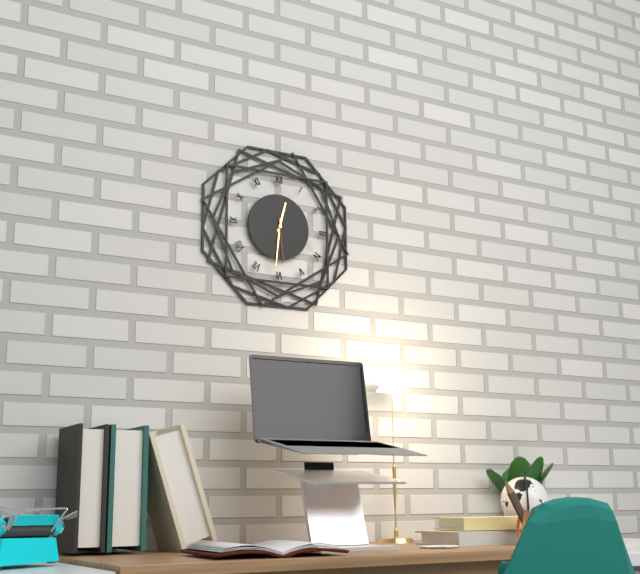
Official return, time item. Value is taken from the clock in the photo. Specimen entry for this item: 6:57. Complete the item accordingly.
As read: 12:31
